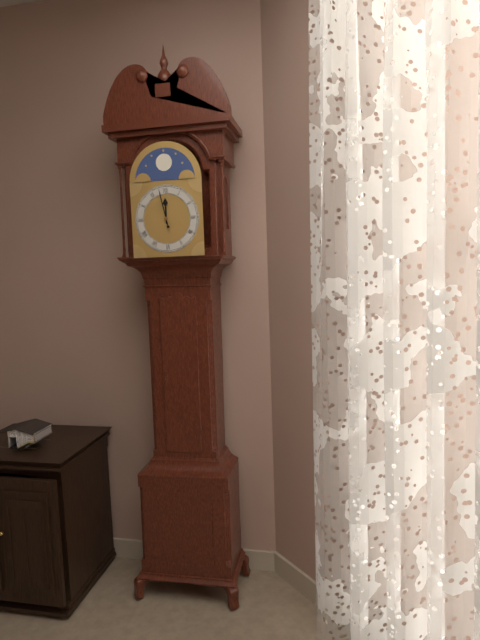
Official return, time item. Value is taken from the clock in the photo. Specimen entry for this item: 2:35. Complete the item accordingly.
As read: 11:58
